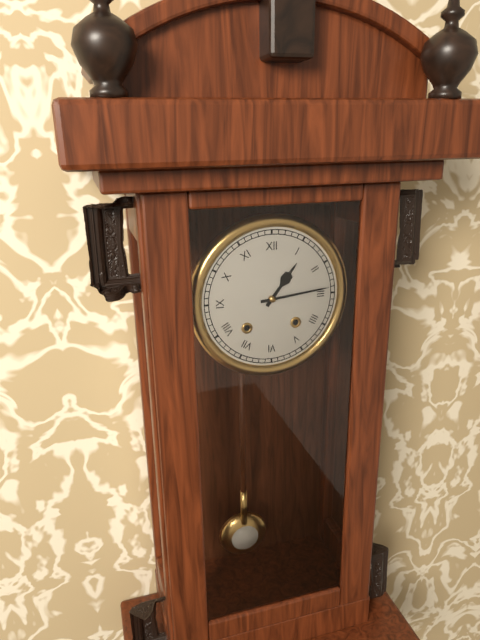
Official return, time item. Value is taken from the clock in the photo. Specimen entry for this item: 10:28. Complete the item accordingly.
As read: 1:14
